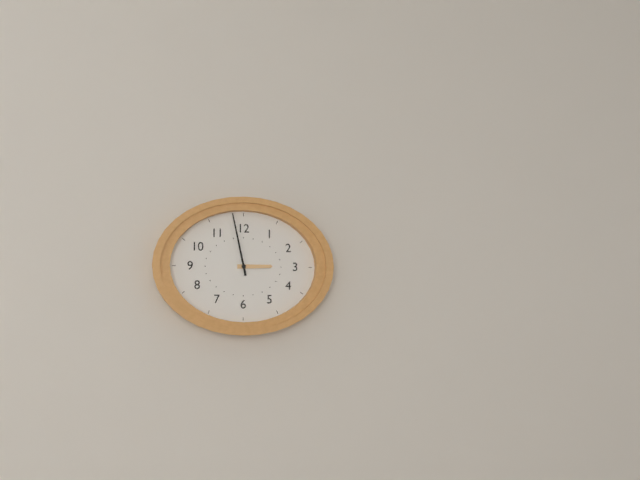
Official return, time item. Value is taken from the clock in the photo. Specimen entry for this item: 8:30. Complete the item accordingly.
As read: 2:58
